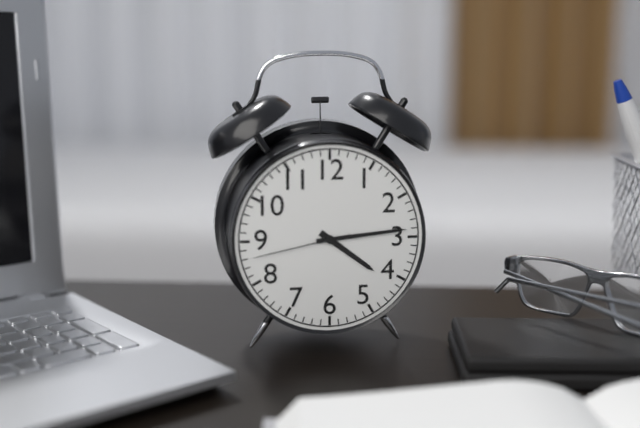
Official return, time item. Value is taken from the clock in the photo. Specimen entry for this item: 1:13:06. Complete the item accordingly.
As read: 4:14:43
